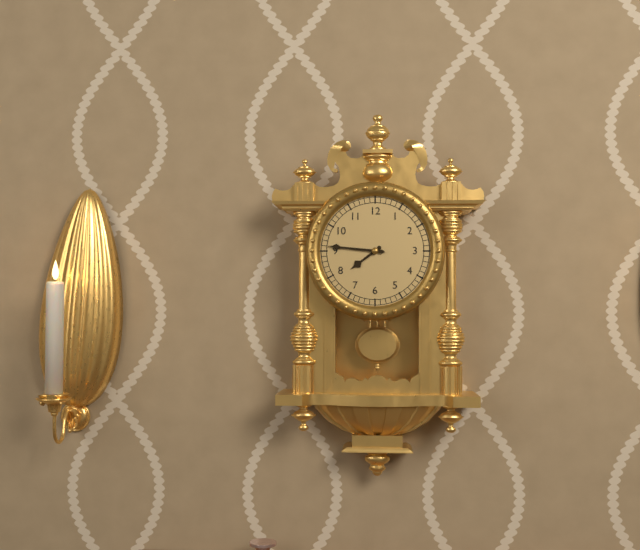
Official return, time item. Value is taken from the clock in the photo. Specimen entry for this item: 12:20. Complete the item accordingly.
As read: 7:46
